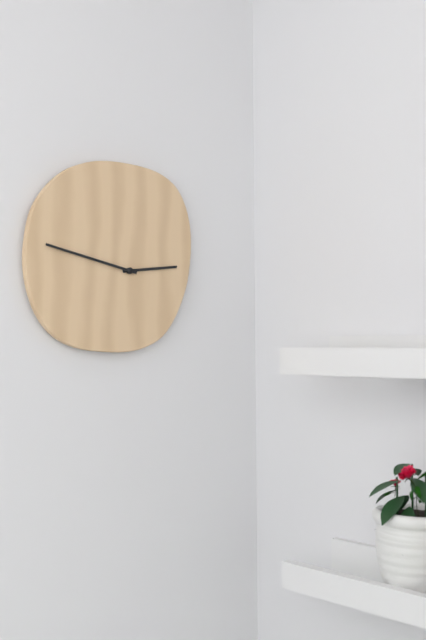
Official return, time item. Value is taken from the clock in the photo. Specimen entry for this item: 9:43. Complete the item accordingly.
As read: 2:47
